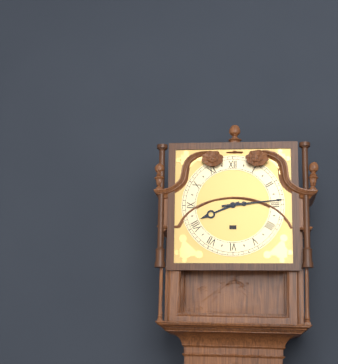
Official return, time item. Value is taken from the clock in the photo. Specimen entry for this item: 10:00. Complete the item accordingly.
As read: 8:14
